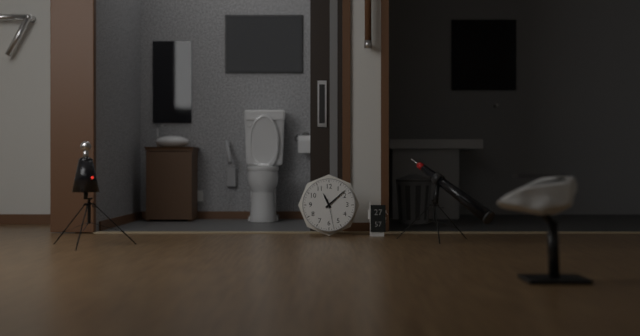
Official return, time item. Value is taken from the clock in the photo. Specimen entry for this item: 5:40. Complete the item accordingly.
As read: 11:08
